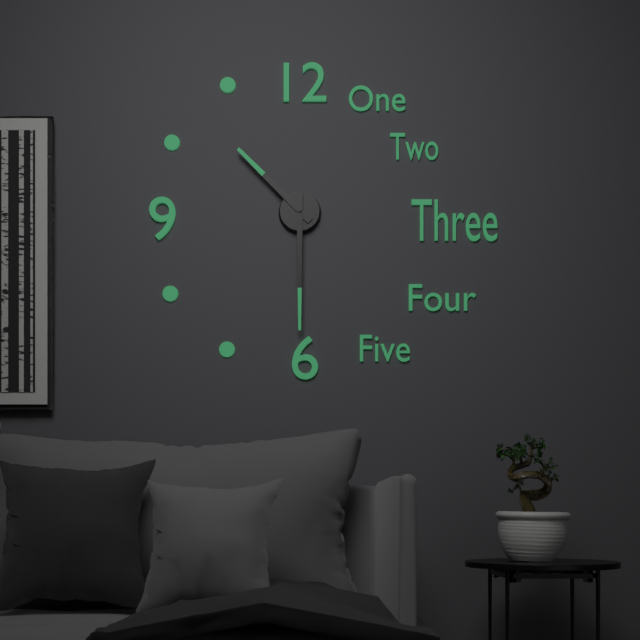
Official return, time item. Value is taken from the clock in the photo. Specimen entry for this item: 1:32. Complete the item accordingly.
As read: 10:30
